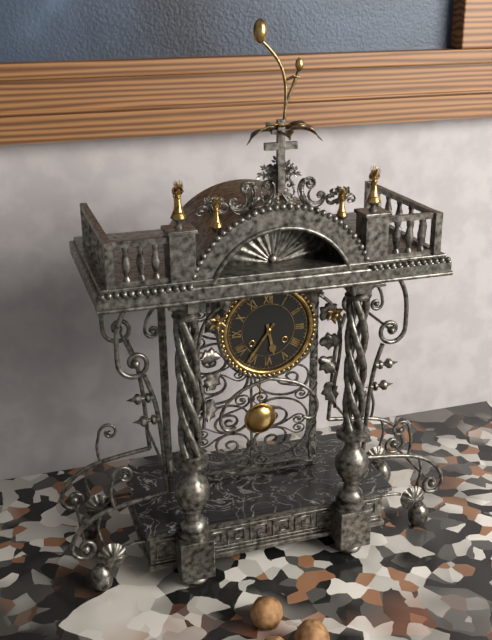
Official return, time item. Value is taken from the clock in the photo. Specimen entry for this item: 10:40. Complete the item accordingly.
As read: 5:36
